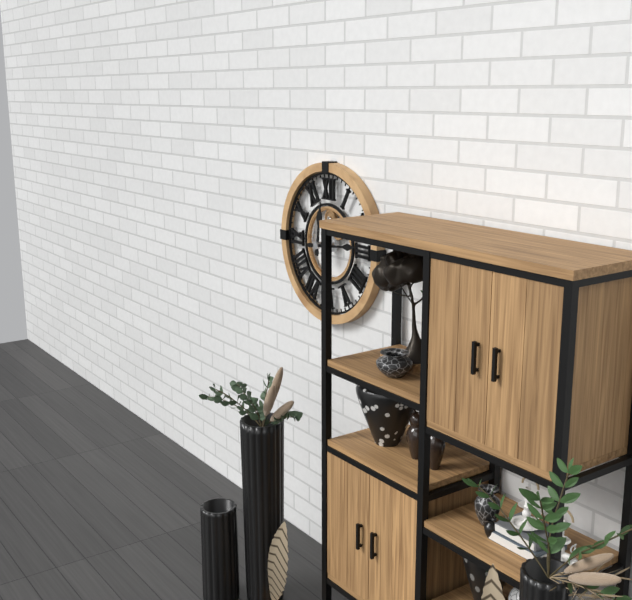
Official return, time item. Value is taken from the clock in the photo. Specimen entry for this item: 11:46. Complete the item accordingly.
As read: 12:14
